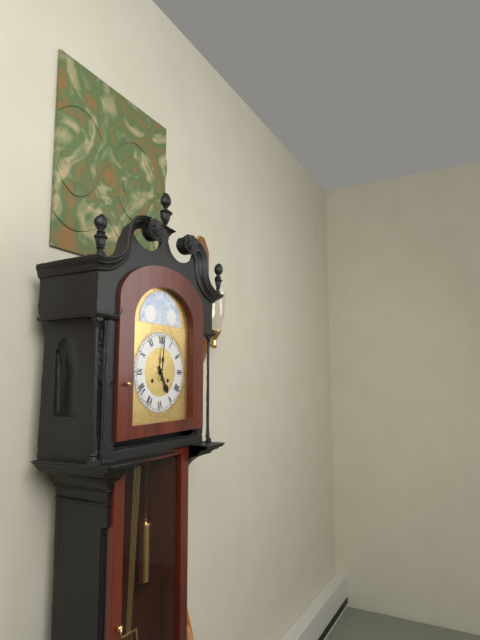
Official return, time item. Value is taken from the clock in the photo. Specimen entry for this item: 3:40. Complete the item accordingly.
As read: 5:01
